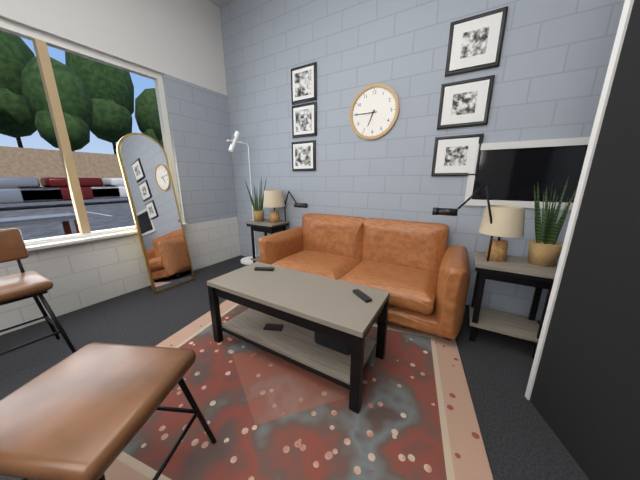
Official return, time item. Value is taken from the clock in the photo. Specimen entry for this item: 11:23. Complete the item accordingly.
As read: 6:45
